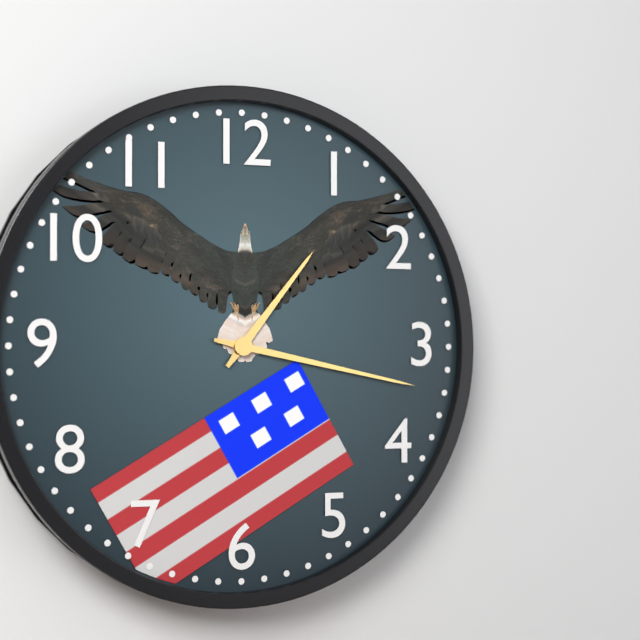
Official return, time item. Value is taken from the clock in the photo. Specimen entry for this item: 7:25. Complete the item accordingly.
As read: 1:17
